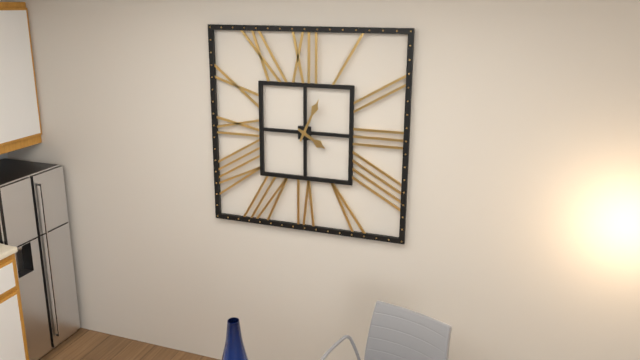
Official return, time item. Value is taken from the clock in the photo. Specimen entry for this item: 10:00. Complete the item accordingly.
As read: 4:04
